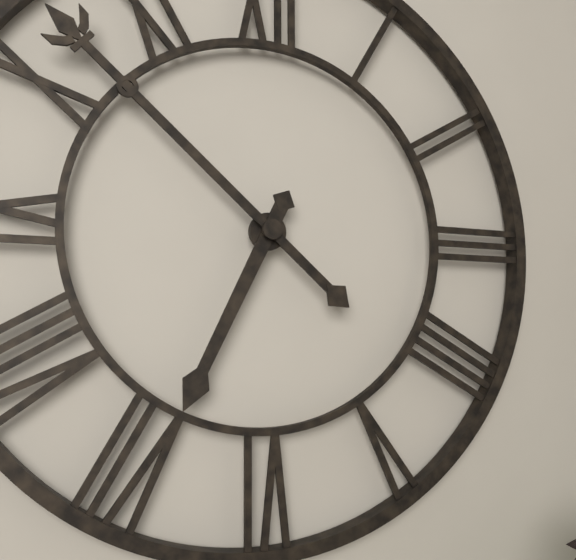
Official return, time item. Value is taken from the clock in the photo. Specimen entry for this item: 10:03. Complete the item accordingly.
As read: 6:52
